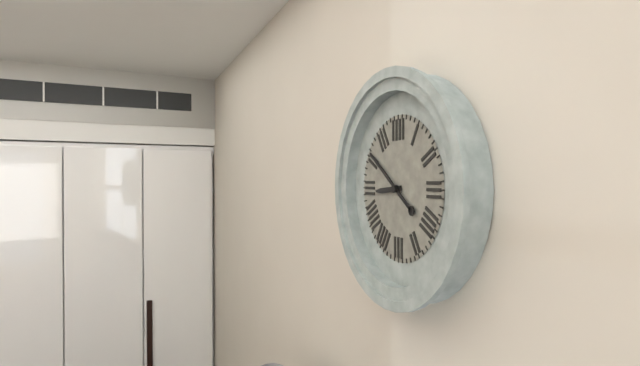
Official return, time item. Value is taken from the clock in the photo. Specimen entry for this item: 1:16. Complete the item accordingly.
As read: 8:51
